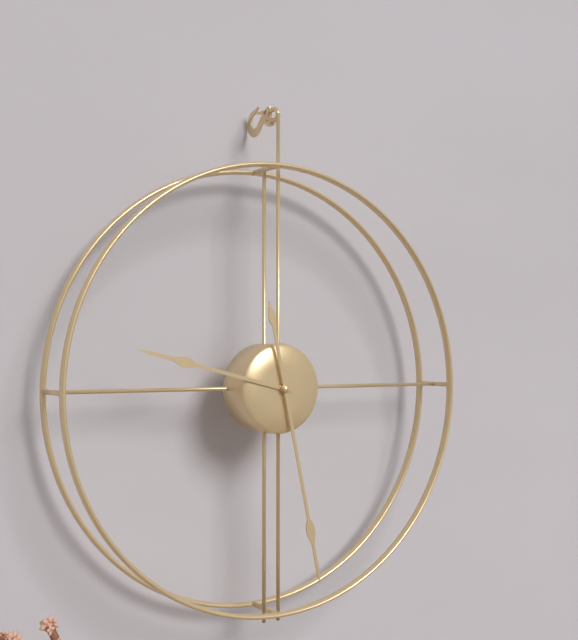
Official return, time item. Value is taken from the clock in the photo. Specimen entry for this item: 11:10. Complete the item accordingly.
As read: 9:28
